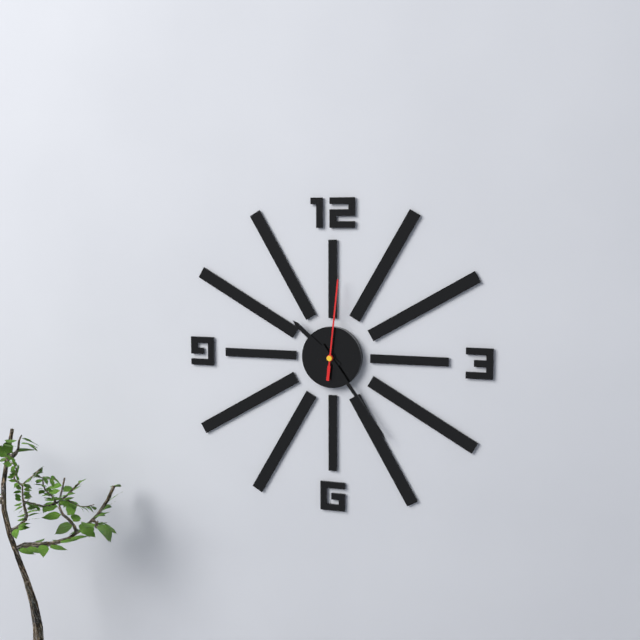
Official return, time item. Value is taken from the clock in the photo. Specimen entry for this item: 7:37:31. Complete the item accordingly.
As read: 10:24:01
